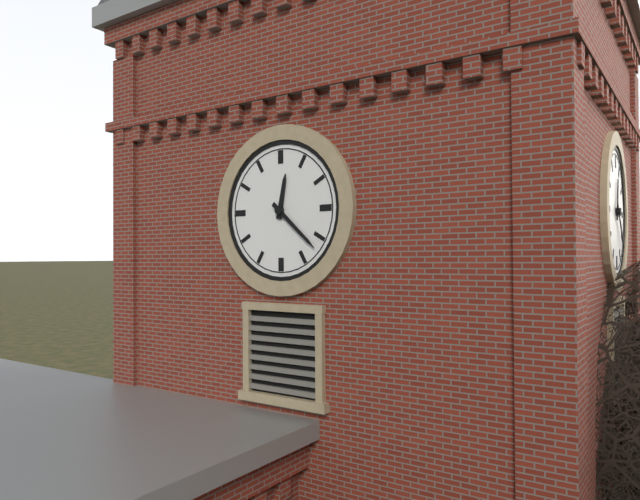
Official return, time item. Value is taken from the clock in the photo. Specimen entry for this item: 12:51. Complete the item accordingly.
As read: 12:22
